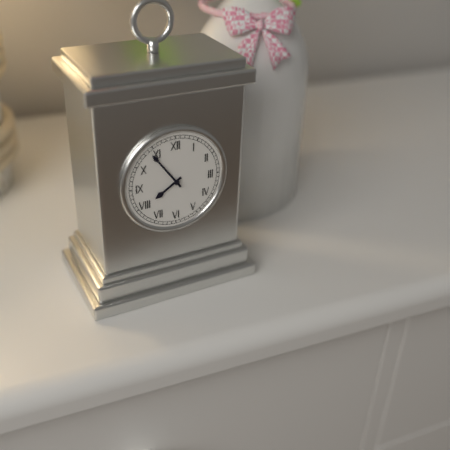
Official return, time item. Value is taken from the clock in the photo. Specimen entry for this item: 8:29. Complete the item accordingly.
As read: 7:54
